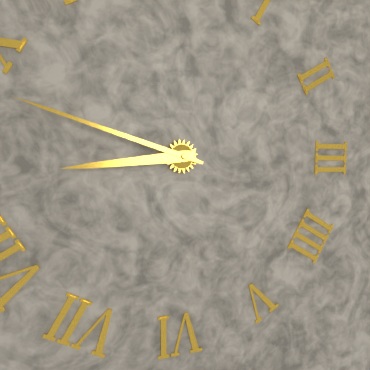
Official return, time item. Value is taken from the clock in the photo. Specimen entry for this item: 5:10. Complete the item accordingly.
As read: 8:48
